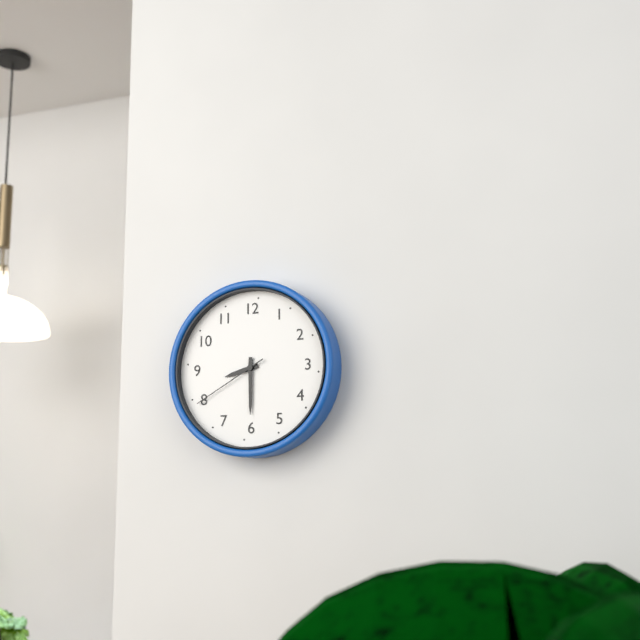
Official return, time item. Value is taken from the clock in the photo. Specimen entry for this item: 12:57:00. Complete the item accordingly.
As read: 8:30:40
